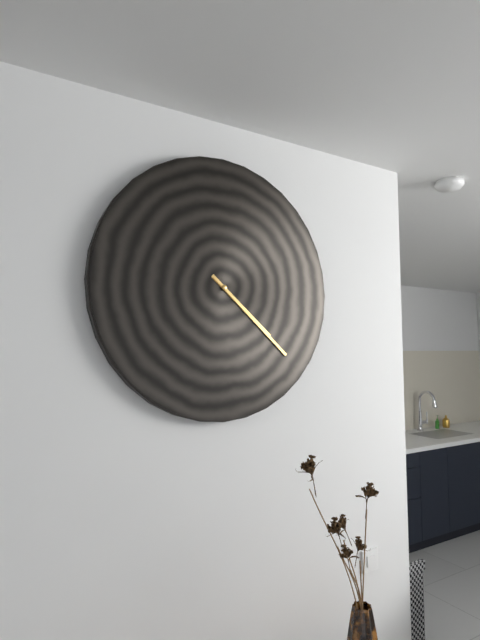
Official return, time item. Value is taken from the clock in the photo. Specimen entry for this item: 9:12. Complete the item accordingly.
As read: 4:22
